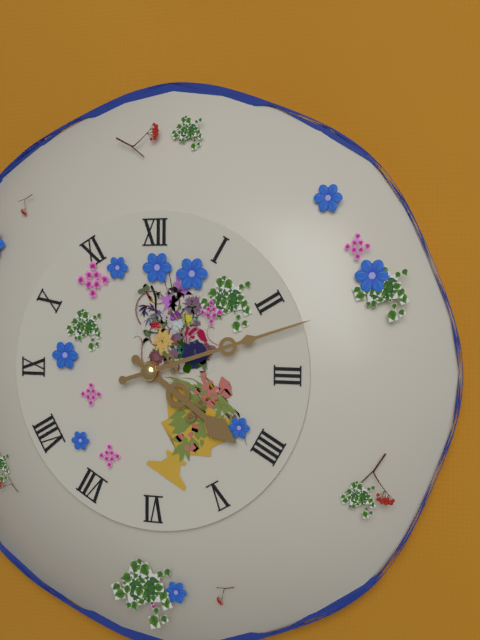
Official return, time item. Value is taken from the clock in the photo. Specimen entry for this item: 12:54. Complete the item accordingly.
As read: 4:12
